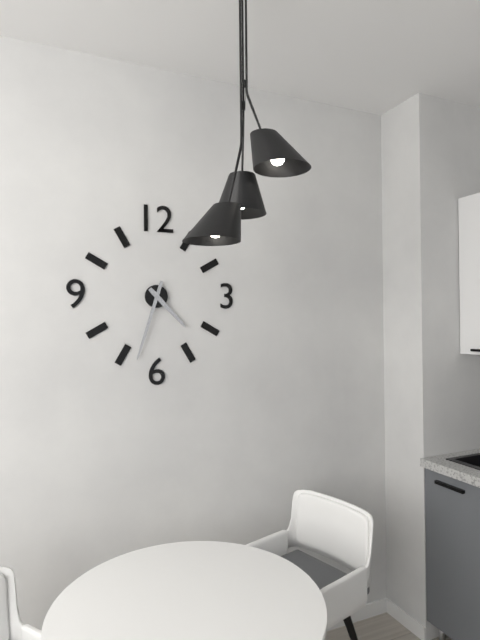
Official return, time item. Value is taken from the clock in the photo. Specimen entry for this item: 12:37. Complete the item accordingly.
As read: 4:33
